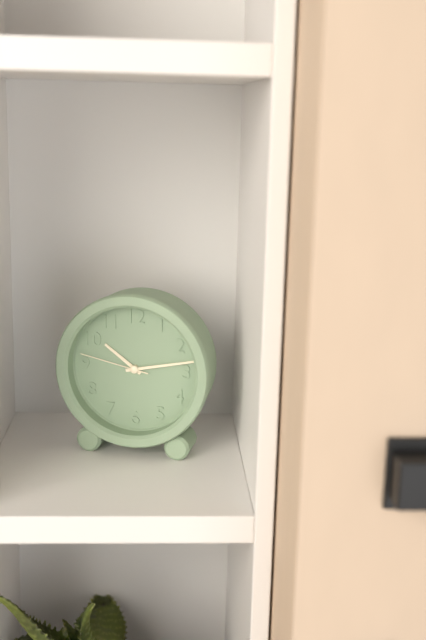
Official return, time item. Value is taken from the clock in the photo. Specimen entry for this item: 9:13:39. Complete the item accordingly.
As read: 10:13:47
